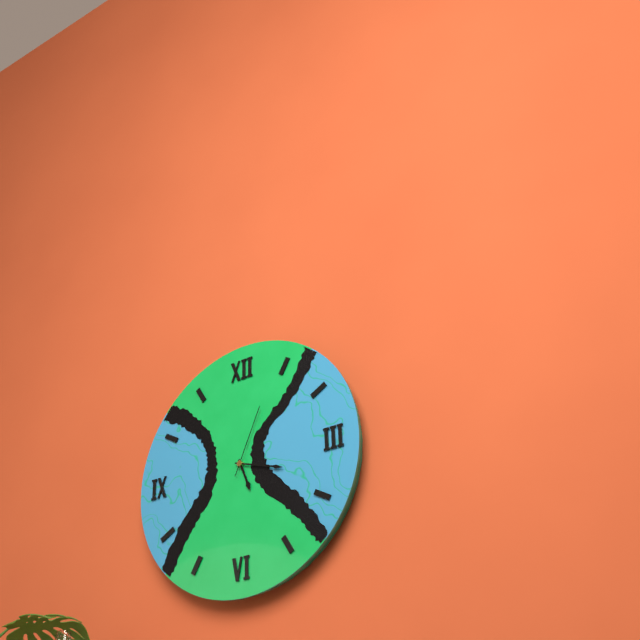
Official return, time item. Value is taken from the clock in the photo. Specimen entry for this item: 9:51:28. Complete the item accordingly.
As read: 5:18:04
